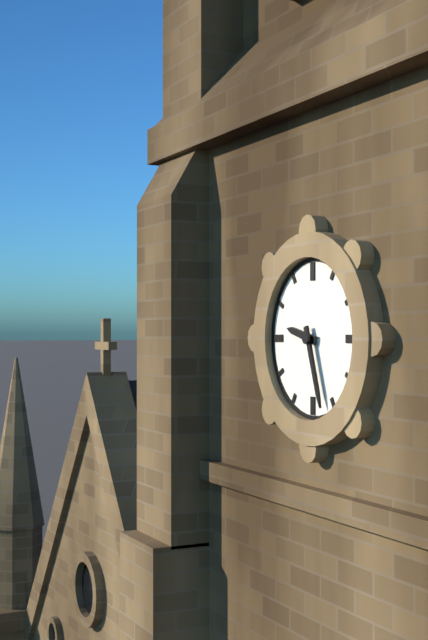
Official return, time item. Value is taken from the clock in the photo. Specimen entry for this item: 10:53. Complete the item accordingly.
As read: 9:27
